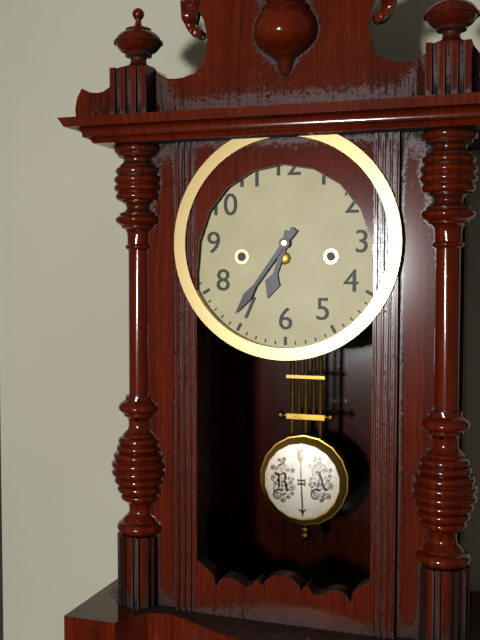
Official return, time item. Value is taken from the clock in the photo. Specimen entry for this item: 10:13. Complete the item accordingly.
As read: 6:36
